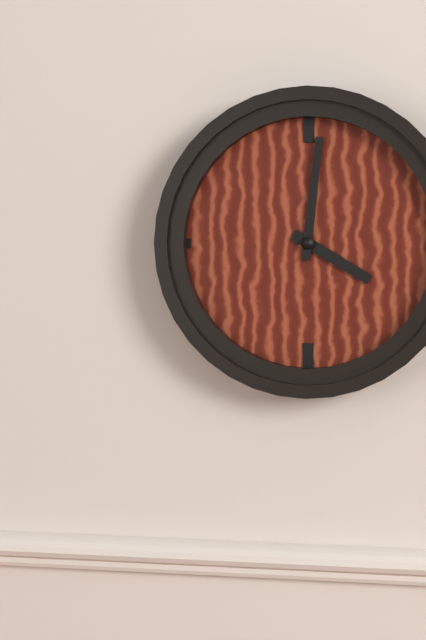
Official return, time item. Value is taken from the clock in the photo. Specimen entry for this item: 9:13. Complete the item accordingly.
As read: 4:01
